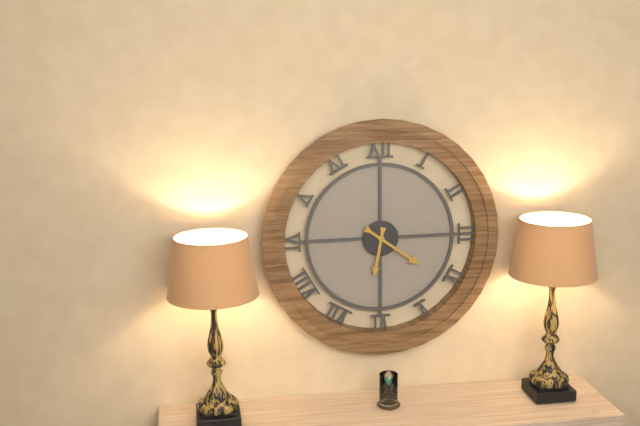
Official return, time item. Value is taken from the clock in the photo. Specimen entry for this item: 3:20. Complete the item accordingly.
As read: 6:21
